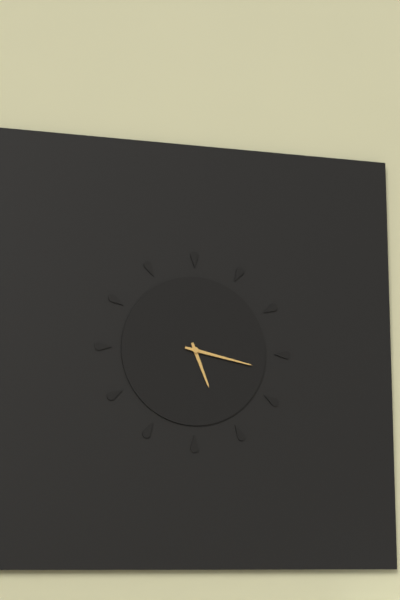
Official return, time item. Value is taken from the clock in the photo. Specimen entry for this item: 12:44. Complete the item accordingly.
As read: 5:17
